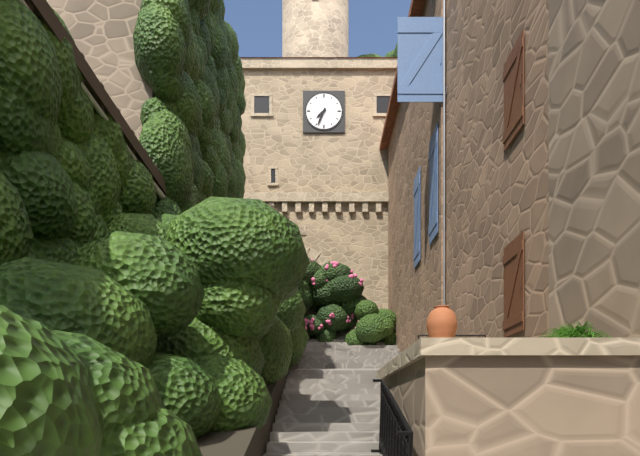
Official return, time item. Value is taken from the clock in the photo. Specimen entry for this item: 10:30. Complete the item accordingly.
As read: 7:34
